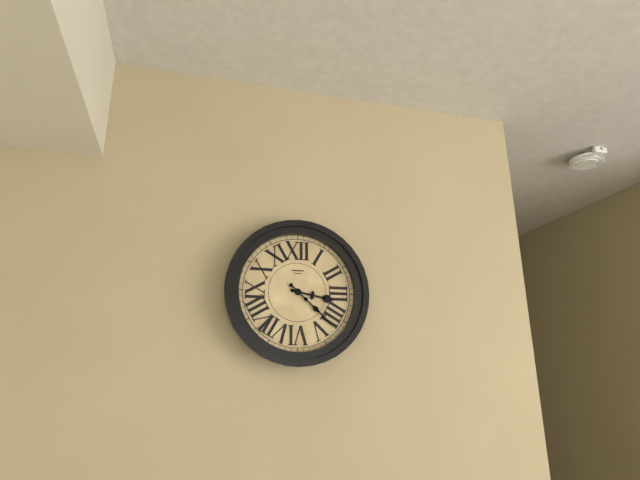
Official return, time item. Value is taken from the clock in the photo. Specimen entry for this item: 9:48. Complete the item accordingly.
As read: 3:22
